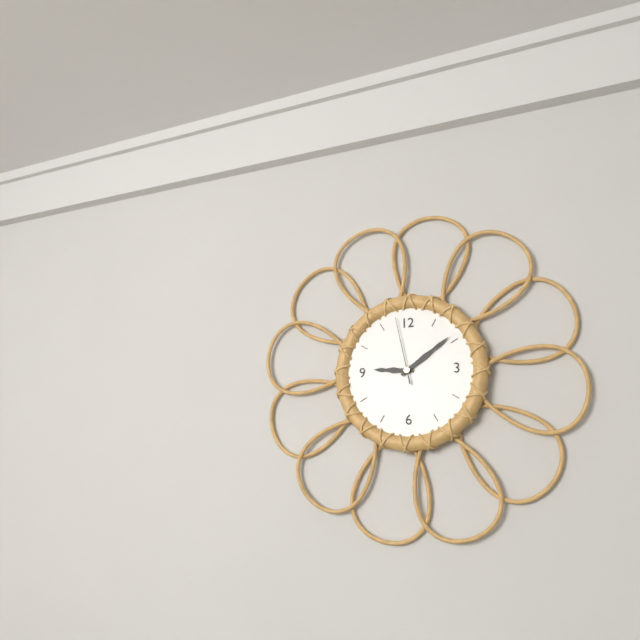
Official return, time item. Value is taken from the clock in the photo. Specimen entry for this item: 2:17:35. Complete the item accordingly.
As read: 9:09:58
